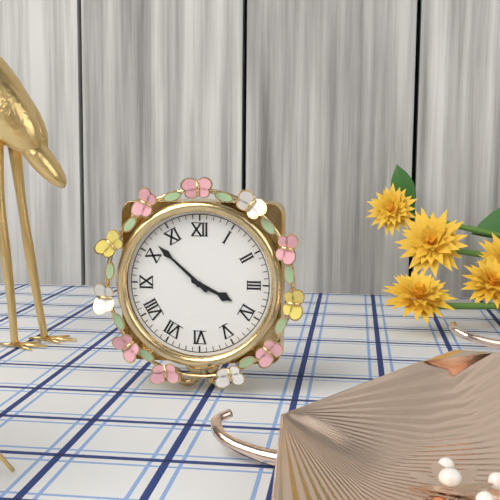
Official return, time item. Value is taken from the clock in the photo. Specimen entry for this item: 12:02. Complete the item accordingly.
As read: 3:52
